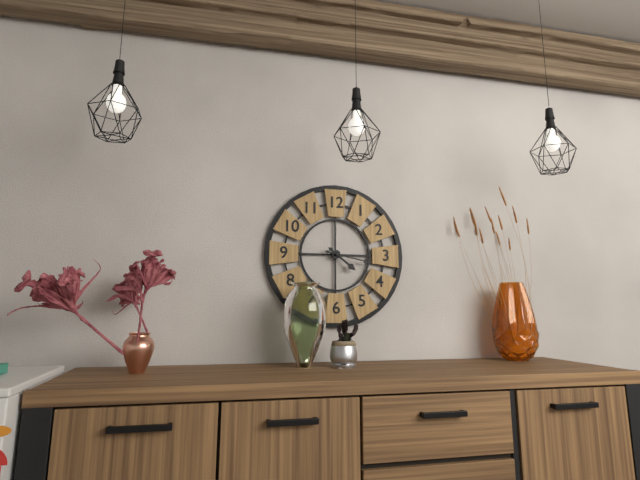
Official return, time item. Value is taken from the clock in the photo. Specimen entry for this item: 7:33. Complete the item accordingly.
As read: 4:17
